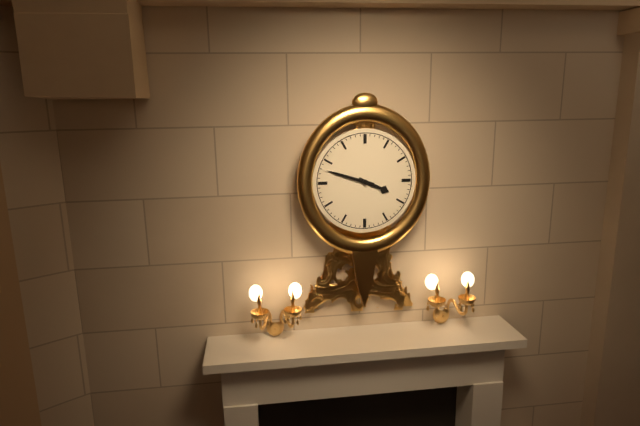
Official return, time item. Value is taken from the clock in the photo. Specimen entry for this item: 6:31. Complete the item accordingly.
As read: 3:48
